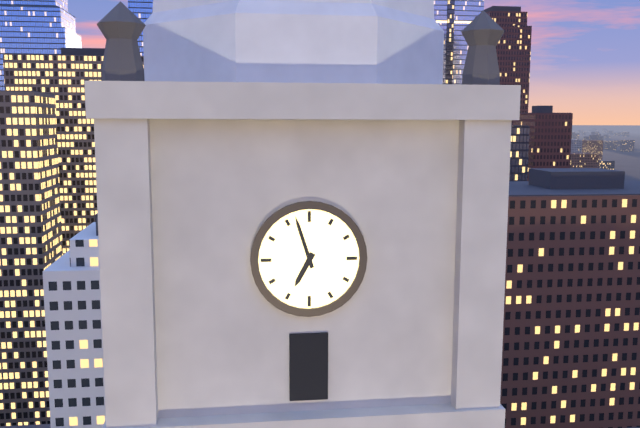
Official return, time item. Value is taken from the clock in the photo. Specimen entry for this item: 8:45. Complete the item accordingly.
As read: 6:57
